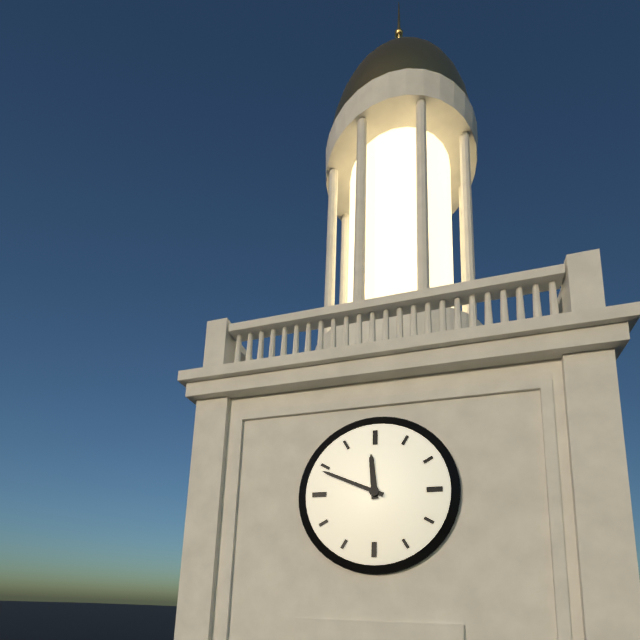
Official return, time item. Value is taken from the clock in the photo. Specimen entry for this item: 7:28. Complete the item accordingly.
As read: 11:49
